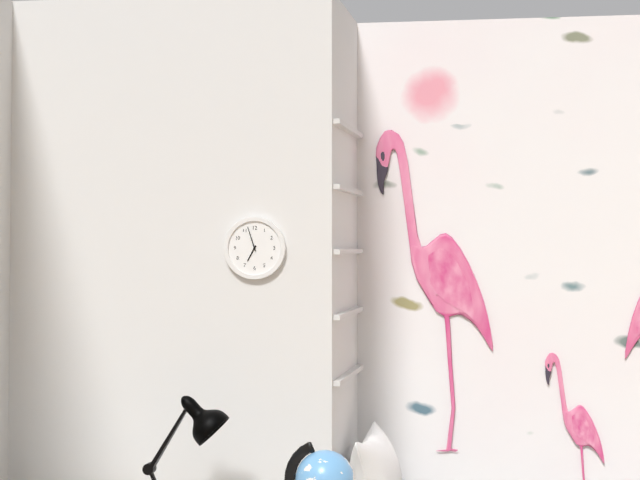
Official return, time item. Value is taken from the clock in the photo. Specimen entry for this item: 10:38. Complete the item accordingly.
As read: 6:57
